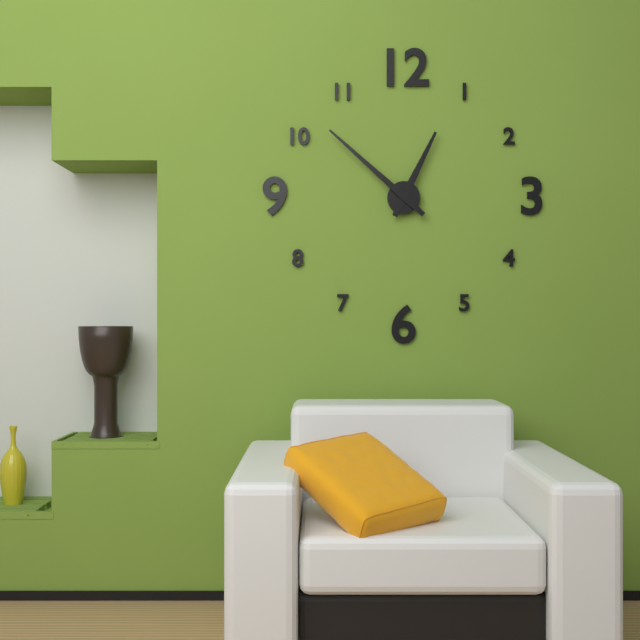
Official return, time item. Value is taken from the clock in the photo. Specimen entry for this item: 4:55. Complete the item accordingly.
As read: 12:52
